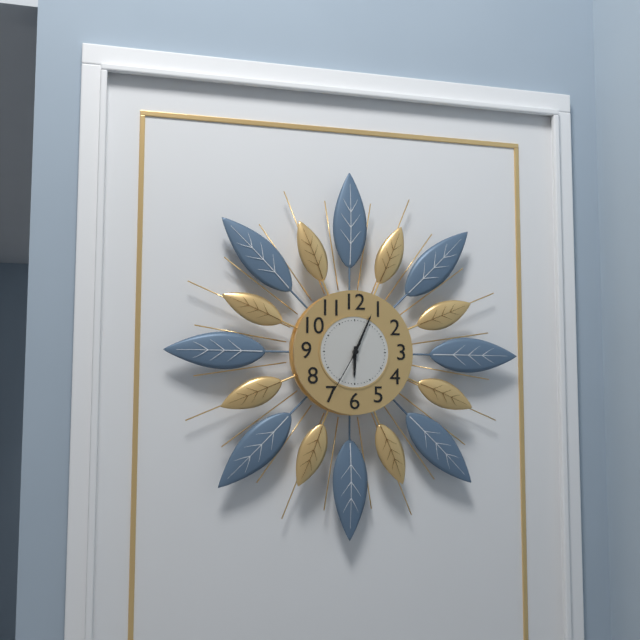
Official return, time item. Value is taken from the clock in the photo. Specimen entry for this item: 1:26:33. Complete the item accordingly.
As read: 6:04:35
